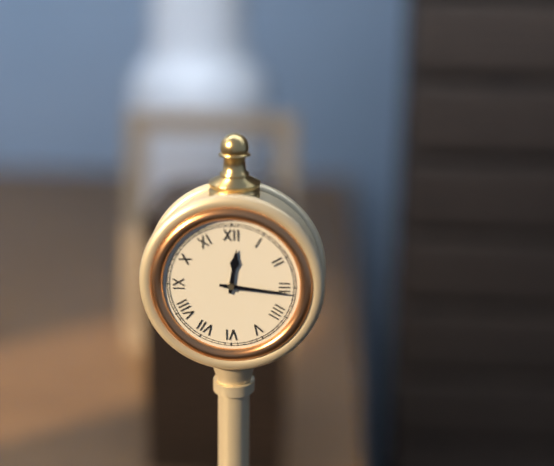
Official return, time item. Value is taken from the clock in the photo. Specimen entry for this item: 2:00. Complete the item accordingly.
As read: 12:16
